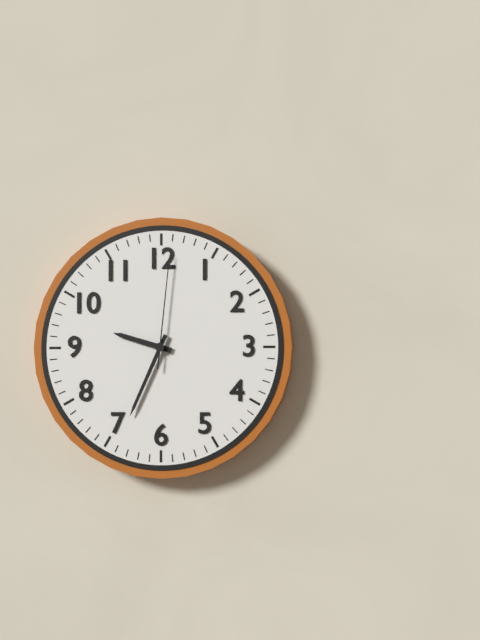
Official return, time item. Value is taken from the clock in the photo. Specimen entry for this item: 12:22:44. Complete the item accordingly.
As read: 9:34:01
